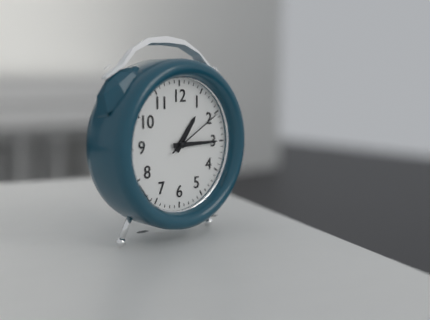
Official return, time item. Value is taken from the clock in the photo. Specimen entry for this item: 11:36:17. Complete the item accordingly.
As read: 1:15:10
